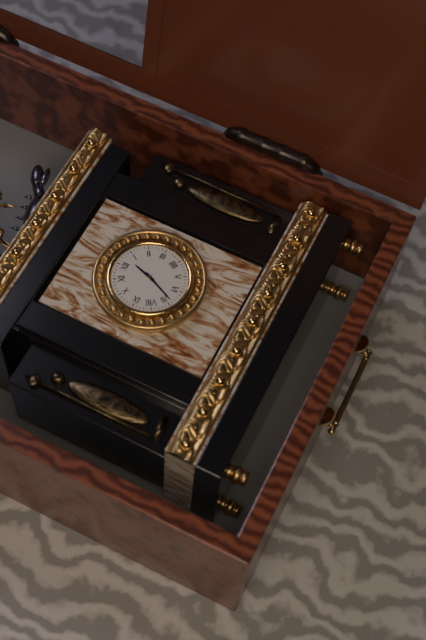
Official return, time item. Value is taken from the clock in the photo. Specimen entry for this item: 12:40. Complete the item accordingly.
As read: 12:34
